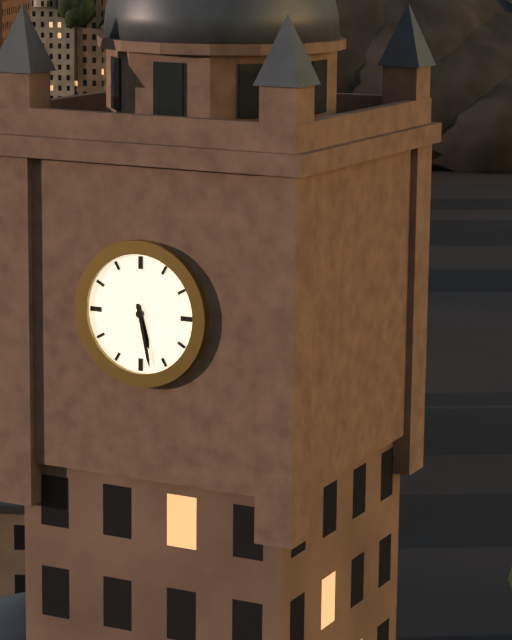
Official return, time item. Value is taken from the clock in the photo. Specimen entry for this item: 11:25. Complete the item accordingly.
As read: 5:28
